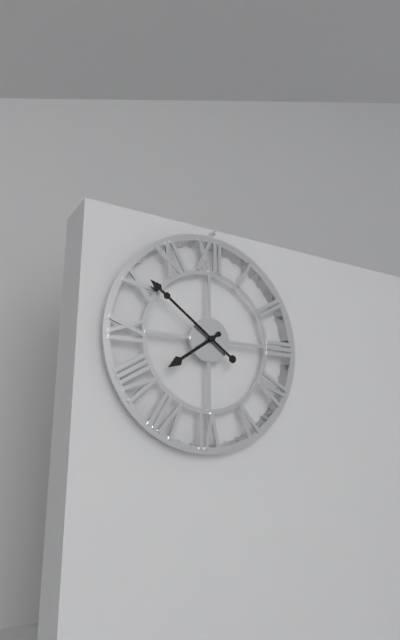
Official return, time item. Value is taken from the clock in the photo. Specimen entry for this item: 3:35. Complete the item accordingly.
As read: 7:51
